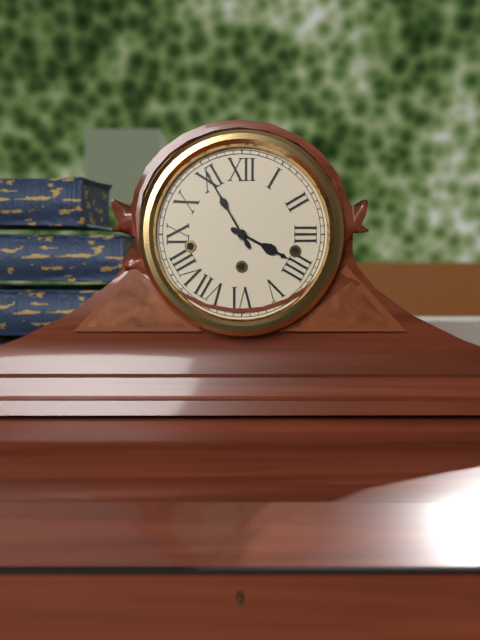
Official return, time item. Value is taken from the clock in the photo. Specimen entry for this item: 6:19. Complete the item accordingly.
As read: 3:55
